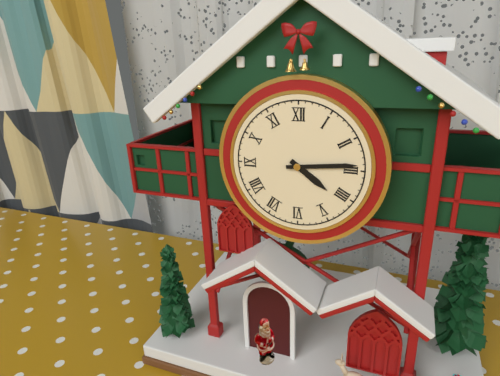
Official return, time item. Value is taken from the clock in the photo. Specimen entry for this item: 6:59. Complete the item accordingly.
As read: 4:14
